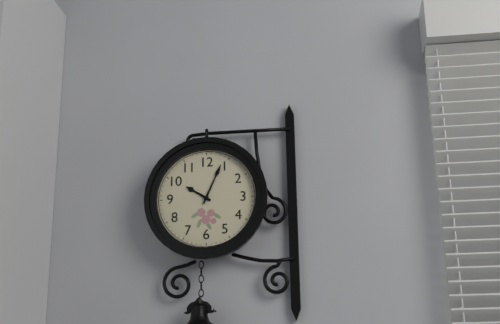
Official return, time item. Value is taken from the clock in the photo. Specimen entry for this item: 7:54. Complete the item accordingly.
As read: 10:04
